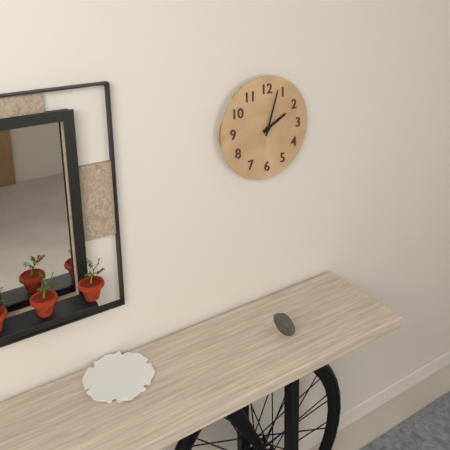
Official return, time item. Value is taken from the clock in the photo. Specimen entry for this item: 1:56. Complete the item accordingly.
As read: 2:03
